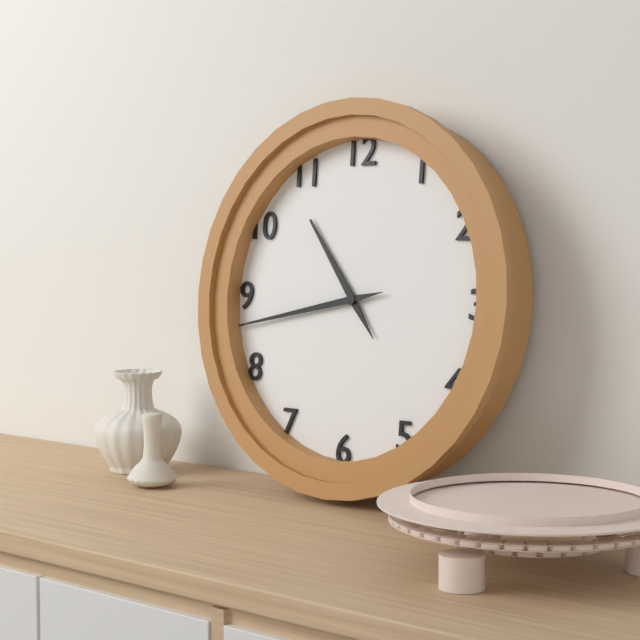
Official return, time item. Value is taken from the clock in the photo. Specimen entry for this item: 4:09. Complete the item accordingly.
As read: 10:43
